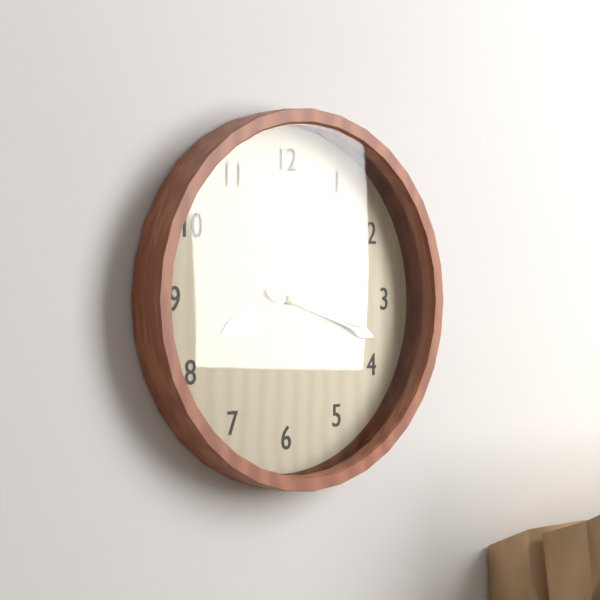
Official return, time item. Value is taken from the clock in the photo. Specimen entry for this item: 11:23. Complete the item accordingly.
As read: 8:18
